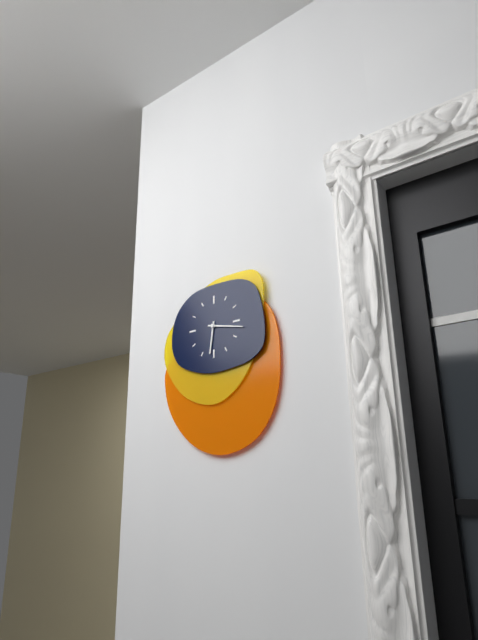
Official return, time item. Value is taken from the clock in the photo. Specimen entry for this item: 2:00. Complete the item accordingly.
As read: 6:17
